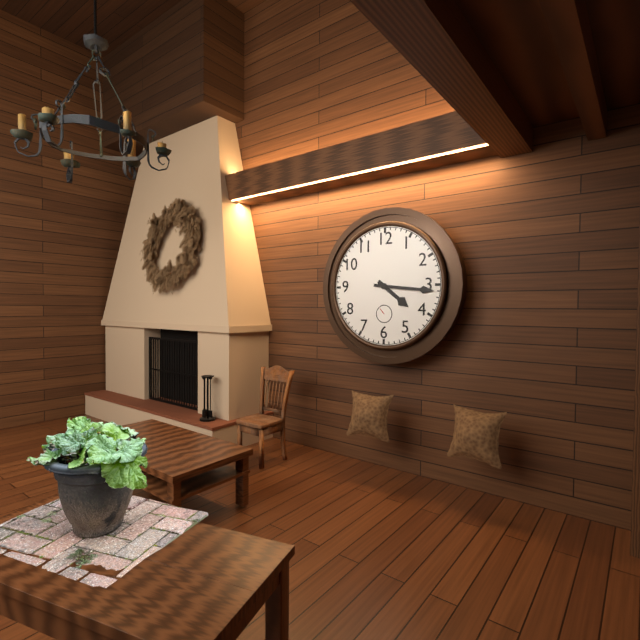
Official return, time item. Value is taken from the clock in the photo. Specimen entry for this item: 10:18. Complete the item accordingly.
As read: 4:16
